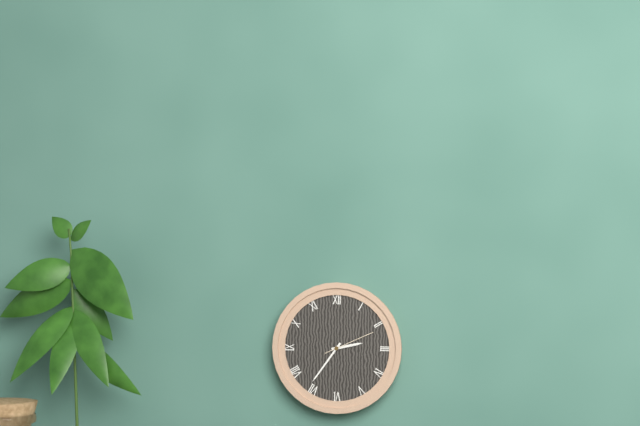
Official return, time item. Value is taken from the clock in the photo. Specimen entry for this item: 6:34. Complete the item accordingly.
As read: 2:36
